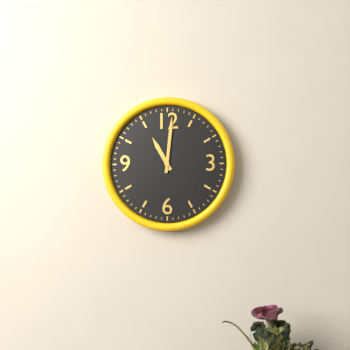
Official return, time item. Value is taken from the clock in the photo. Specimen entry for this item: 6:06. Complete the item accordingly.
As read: 11:01
